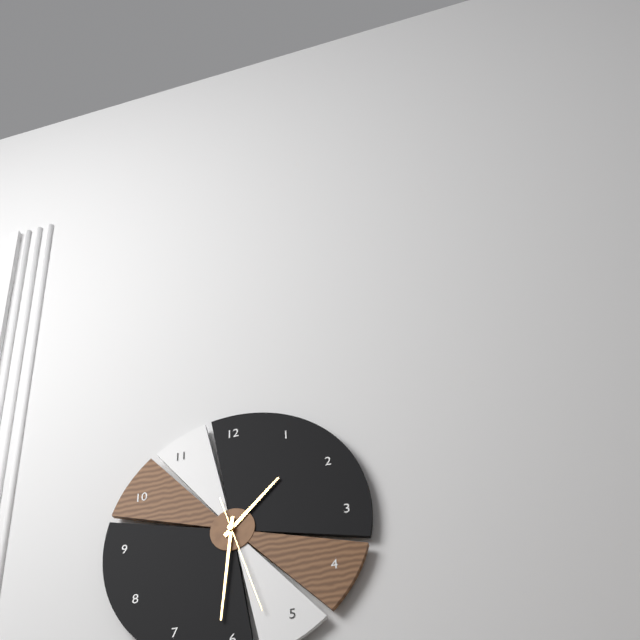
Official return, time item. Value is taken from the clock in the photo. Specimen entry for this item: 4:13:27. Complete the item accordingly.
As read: 1:31:27
